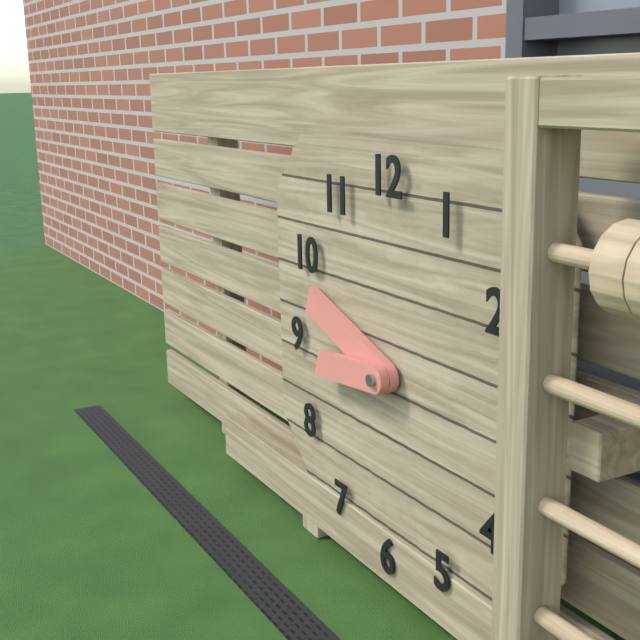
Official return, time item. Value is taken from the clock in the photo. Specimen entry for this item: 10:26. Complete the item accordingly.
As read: 8:48
